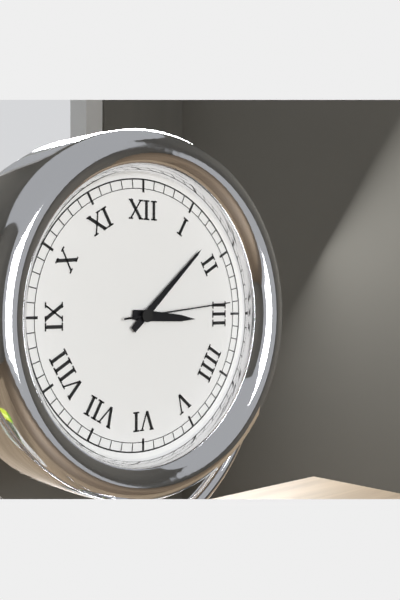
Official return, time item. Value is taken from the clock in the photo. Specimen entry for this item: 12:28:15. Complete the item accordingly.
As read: 3:08:14
